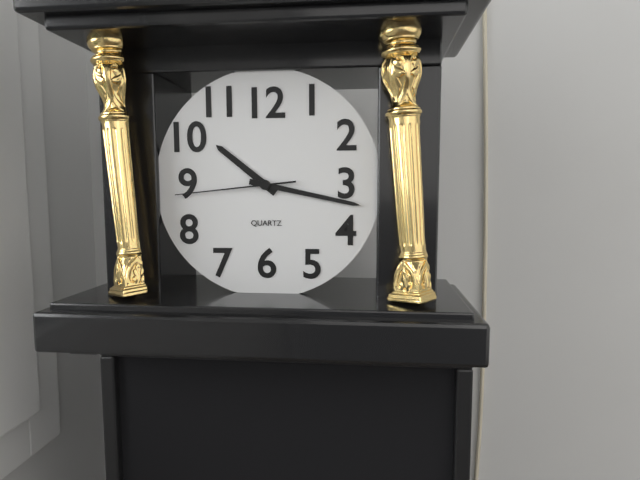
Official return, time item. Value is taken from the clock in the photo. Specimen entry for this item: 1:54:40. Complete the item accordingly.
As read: 10:17:44
